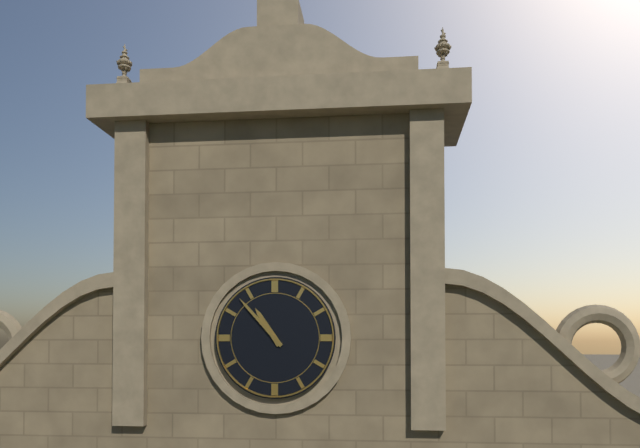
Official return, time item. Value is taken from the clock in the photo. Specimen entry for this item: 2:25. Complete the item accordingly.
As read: 10:53
